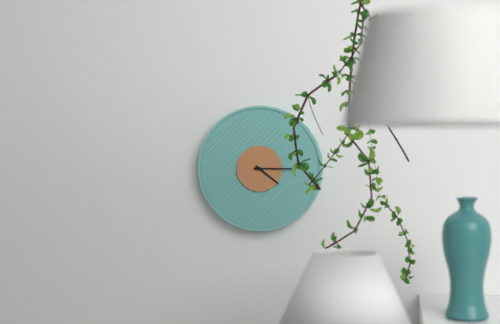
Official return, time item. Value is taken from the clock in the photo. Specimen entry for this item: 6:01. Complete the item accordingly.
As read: 4:15
